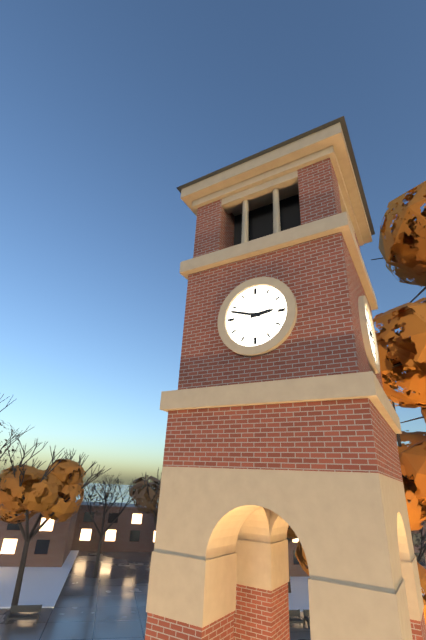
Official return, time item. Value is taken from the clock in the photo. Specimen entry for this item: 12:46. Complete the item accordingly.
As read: 2:48
